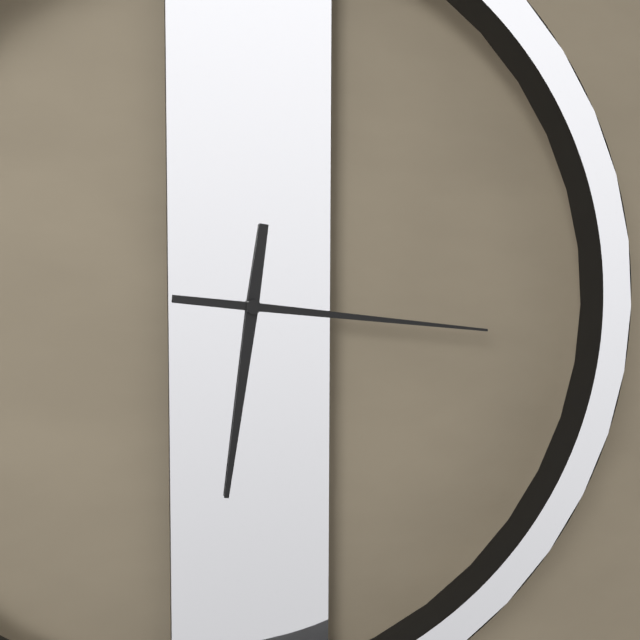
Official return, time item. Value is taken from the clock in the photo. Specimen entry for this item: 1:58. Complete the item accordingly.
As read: 6:16
